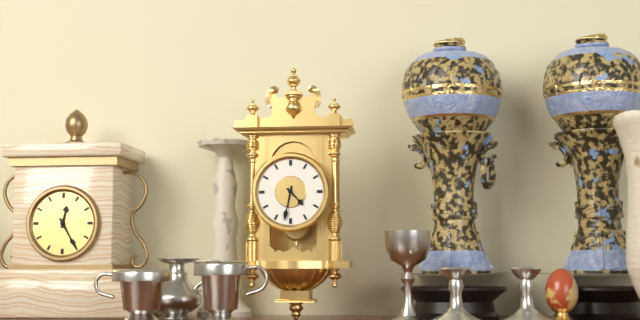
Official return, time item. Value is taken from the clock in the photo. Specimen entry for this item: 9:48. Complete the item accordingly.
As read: 4:32
